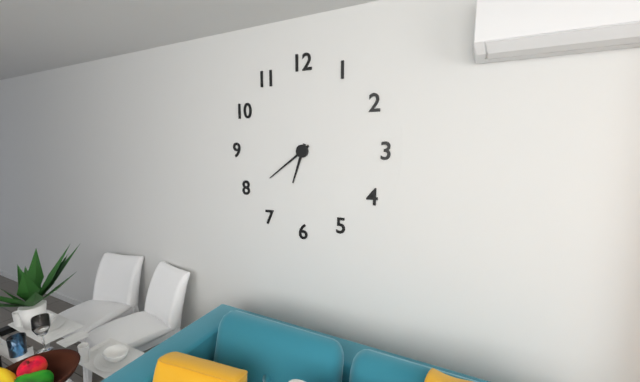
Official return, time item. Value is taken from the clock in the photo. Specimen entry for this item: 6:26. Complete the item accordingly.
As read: 6:39
